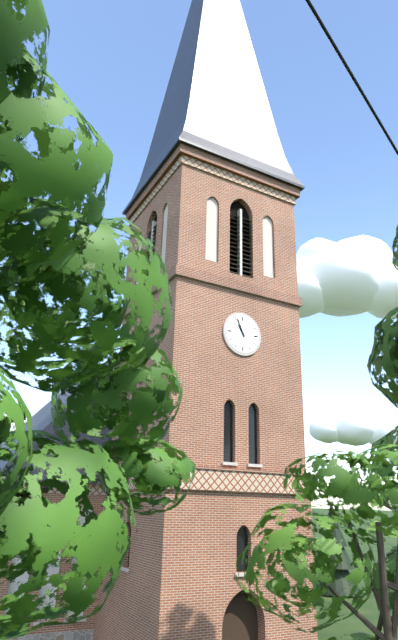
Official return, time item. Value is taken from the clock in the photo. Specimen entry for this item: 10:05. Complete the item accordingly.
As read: 10:56
